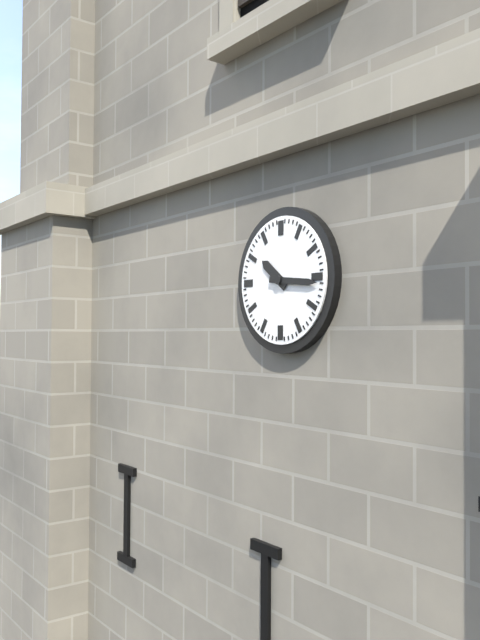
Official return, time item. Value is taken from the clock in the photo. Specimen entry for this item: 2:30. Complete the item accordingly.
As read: 10:16
